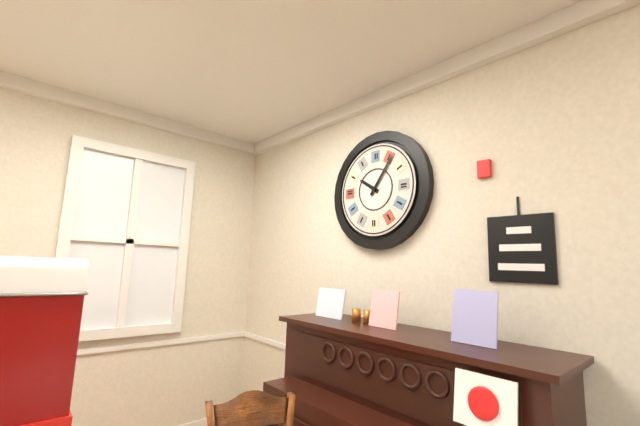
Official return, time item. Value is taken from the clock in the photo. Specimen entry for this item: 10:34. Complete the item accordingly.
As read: 10:06
